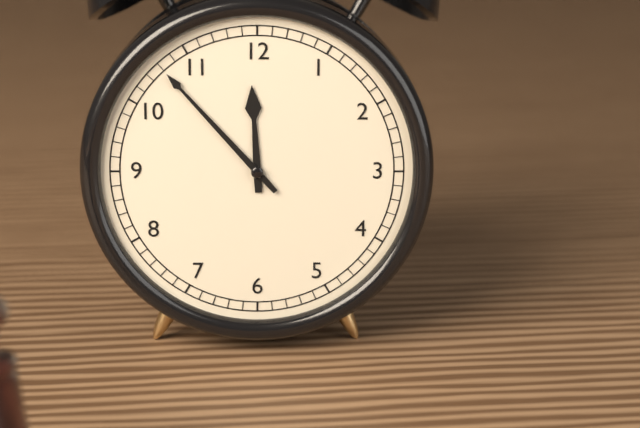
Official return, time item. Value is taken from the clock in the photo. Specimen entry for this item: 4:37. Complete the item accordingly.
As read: 11:53
